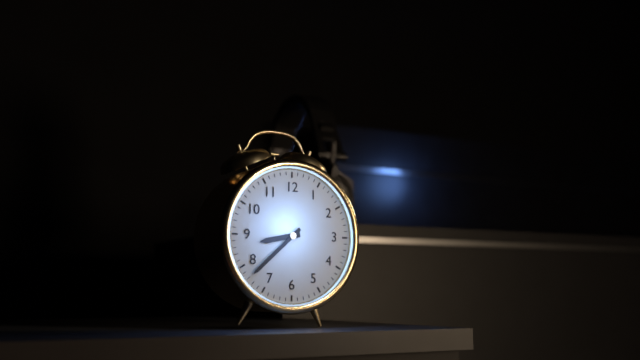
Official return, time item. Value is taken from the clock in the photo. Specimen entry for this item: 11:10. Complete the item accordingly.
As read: 8:38
